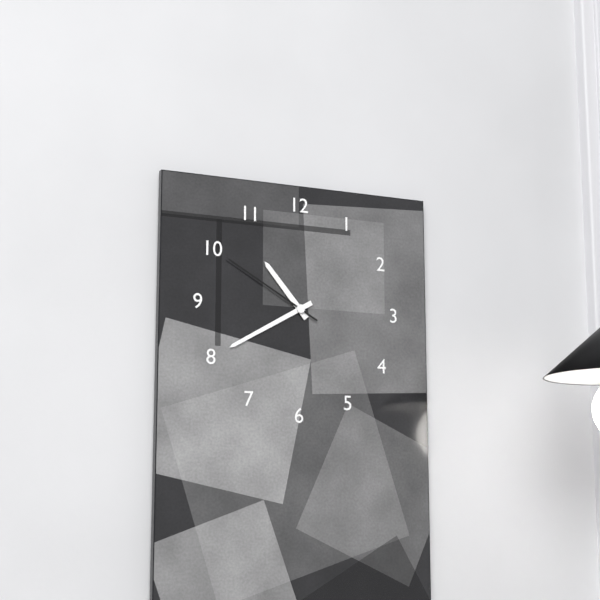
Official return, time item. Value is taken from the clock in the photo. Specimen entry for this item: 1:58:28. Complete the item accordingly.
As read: 10:40:50
